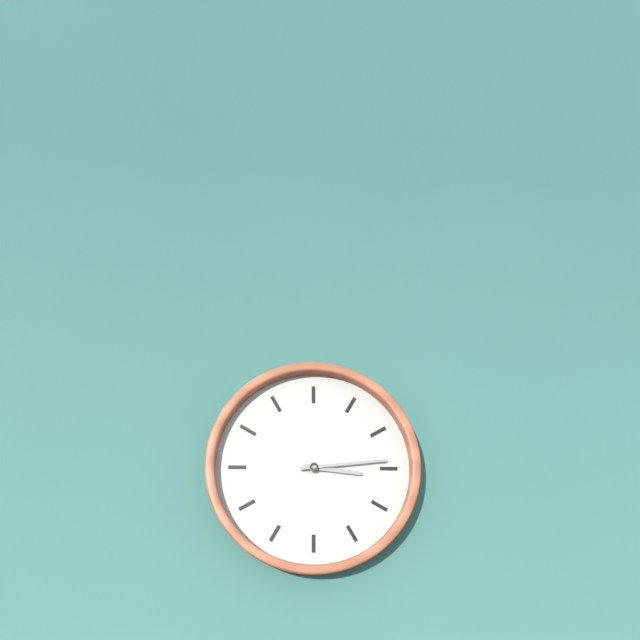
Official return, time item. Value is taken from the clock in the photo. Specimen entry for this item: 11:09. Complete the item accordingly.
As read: 3:14
